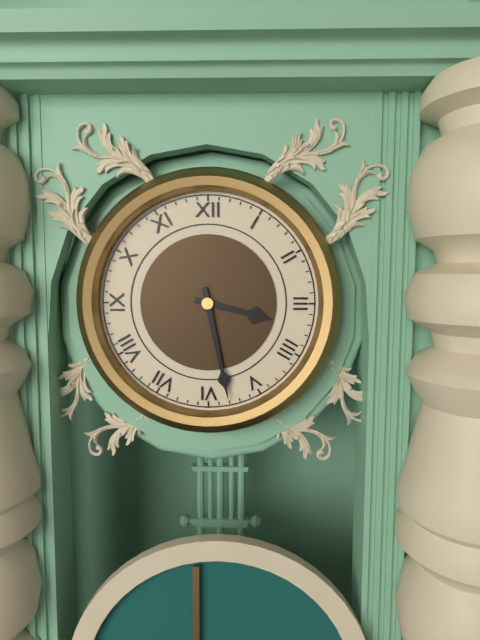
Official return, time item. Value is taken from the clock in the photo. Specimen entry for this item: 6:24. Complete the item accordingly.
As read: 3:28
